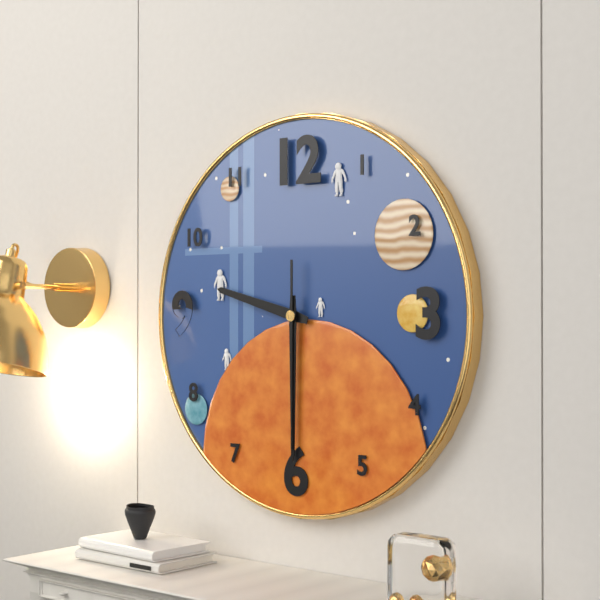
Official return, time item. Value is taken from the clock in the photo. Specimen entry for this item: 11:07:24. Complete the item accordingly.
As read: 9:30:30
